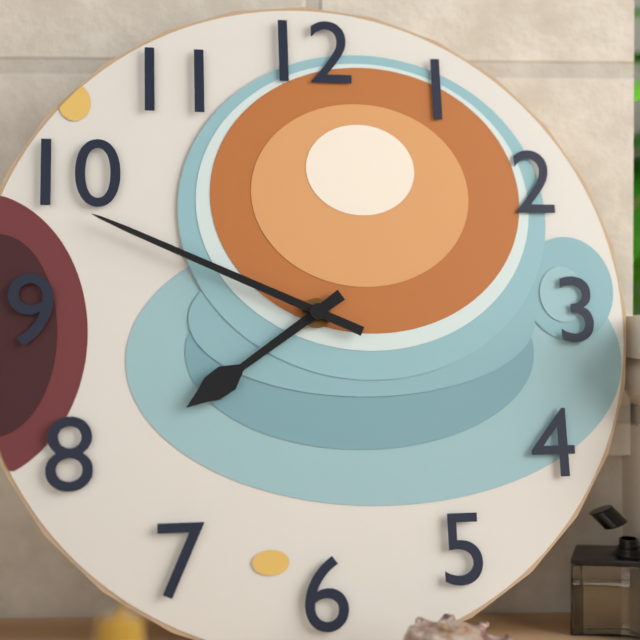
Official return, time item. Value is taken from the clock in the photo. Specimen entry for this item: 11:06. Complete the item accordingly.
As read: 7:49
